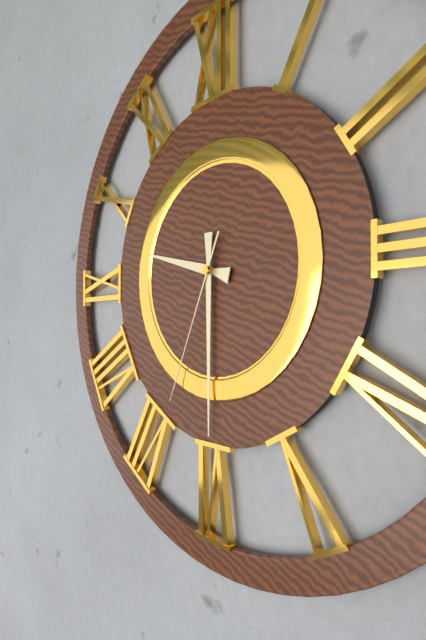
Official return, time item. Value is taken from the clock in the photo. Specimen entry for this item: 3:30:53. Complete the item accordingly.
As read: 9:30:34
